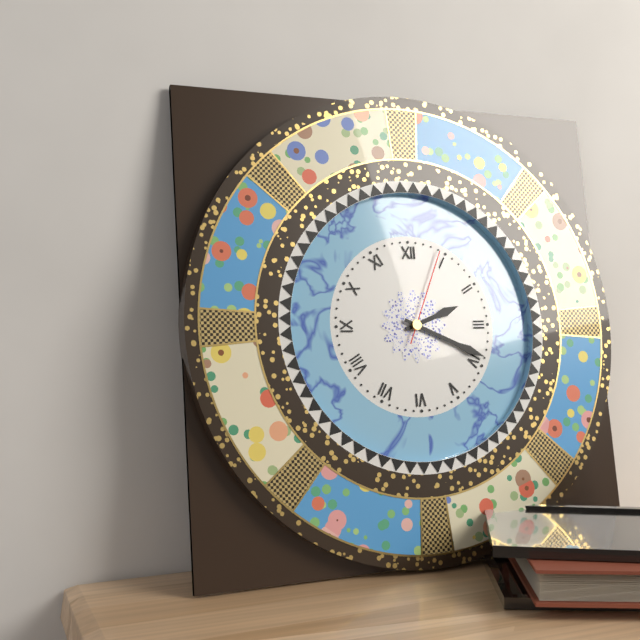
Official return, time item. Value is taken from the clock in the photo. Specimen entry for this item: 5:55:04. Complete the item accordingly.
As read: 2:19:04
